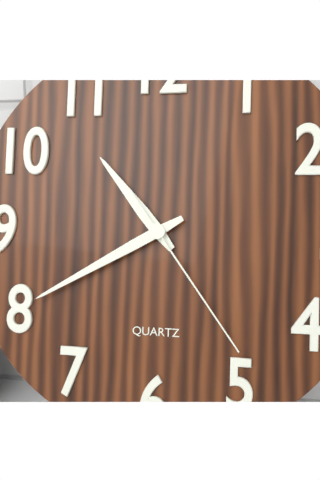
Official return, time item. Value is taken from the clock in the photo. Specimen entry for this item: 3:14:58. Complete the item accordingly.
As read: 10:40:24
